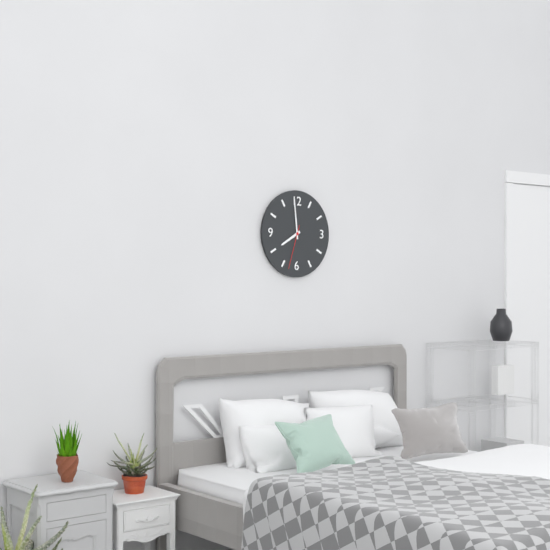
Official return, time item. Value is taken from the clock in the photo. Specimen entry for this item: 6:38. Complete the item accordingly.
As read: 7:59
